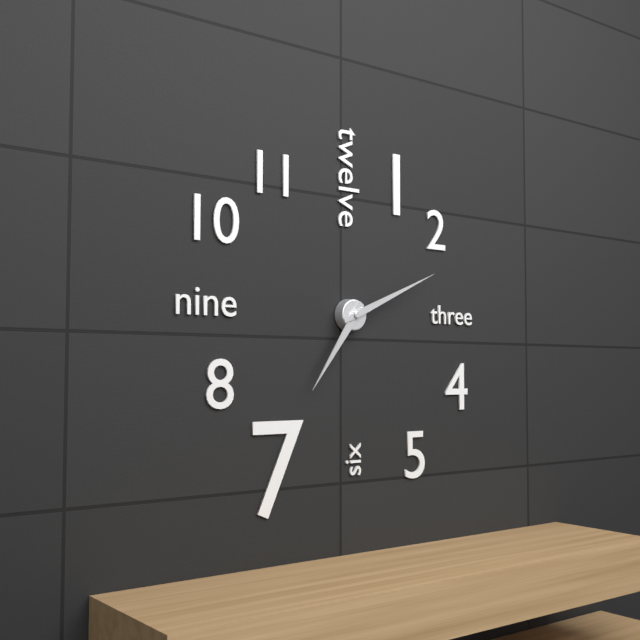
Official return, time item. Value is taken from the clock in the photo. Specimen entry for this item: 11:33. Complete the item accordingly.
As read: 7:11
